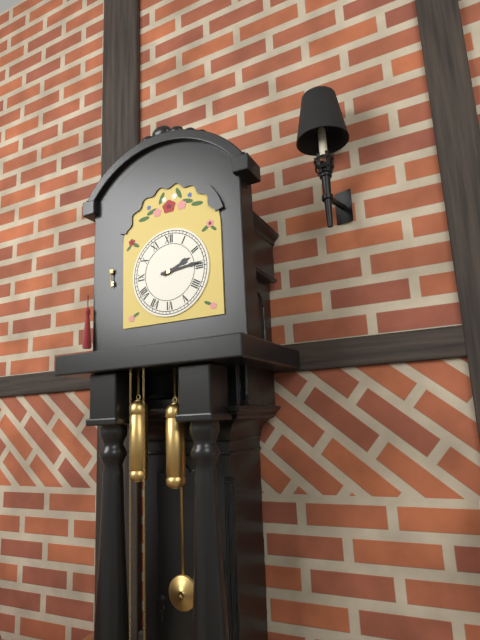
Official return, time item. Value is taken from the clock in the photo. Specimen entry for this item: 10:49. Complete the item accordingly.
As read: 2:14
